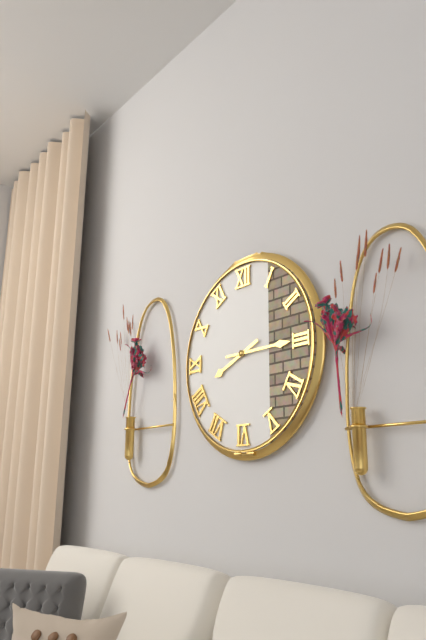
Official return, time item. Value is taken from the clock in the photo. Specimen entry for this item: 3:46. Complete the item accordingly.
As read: 8:15
